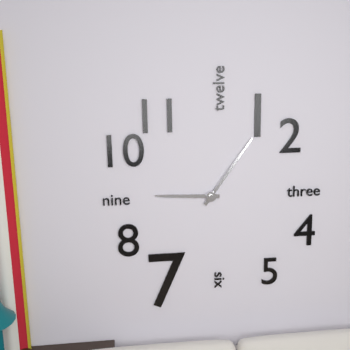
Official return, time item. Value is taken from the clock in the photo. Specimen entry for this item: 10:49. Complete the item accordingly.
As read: 9:06
